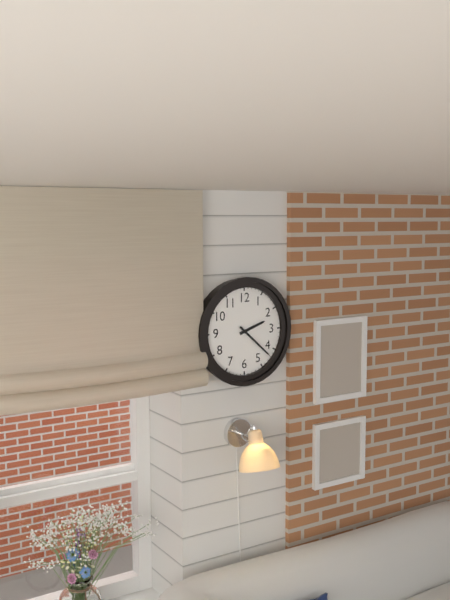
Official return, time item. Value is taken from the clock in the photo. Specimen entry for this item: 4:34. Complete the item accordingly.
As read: 2:22
